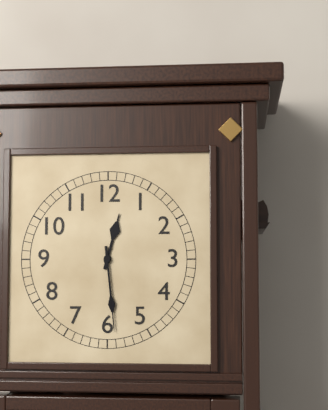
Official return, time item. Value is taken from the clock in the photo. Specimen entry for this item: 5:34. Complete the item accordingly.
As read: 12:29
